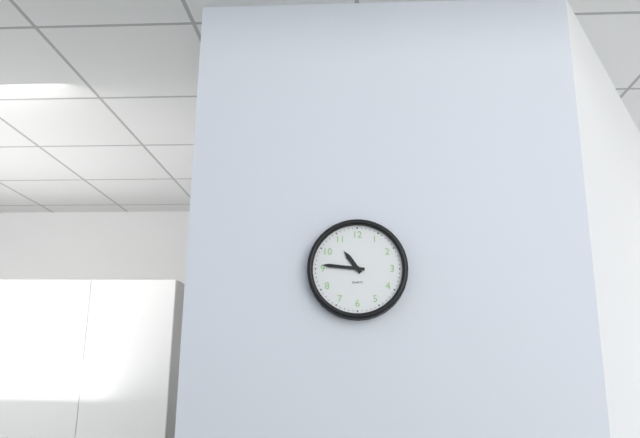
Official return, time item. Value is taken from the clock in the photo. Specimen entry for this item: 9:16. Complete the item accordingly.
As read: 10:46
